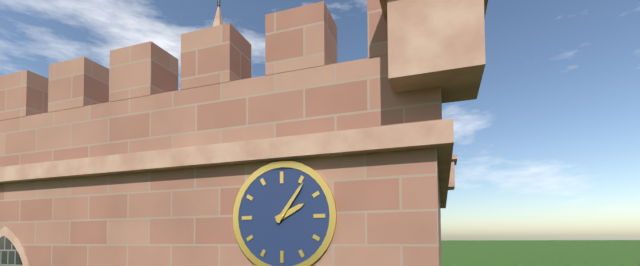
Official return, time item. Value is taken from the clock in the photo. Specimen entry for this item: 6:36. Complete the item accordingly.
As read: 2:06
